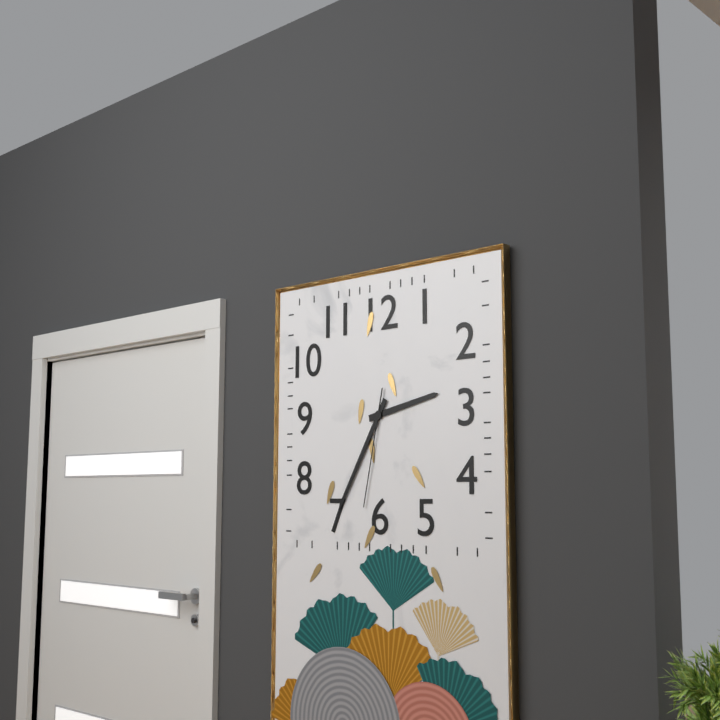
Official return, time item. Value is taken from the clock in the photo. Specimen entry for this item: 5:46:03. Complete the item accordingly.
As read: 2:35:32
